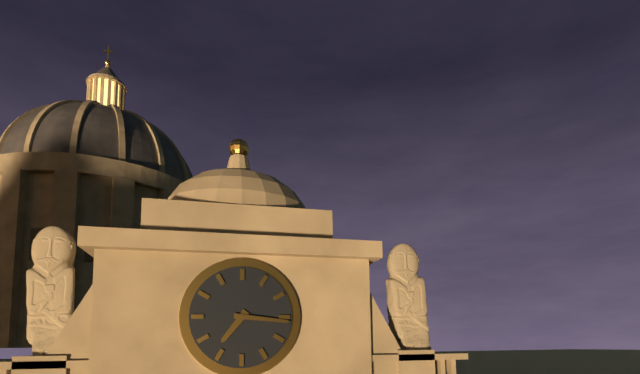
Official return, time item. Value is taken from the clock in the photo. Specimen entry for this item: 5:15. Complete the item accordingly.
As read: 7:16
